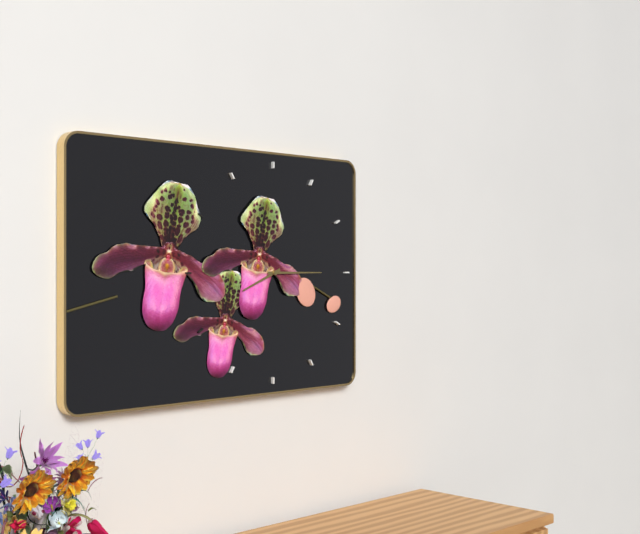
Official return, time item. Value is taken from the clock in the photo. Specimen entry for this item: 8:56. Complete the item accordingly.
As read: 8:15
